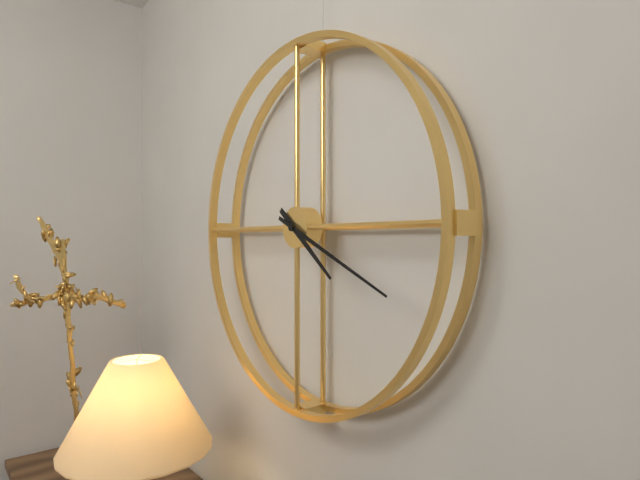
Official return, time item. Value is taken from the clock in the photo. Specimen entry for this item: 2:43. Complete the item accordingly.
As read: 4:19
